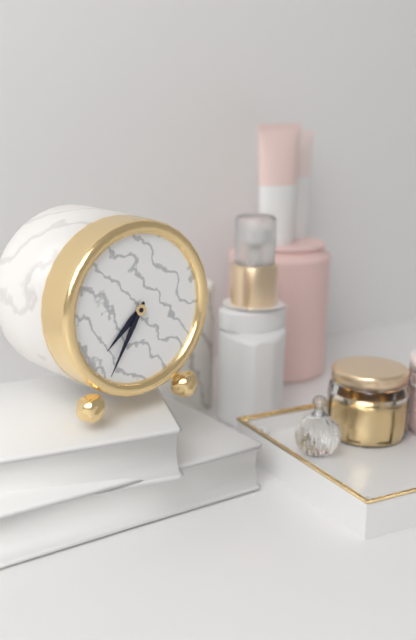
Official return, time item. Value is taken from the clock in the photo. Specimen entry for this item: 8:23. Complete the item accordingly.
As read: 7:35
